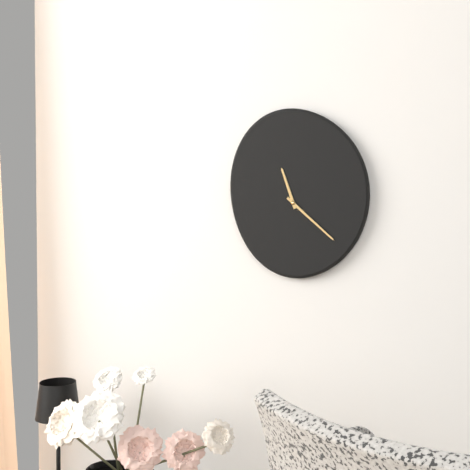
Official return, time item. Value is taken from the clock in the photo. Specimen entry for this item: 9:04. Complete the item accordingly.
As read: 11:22
